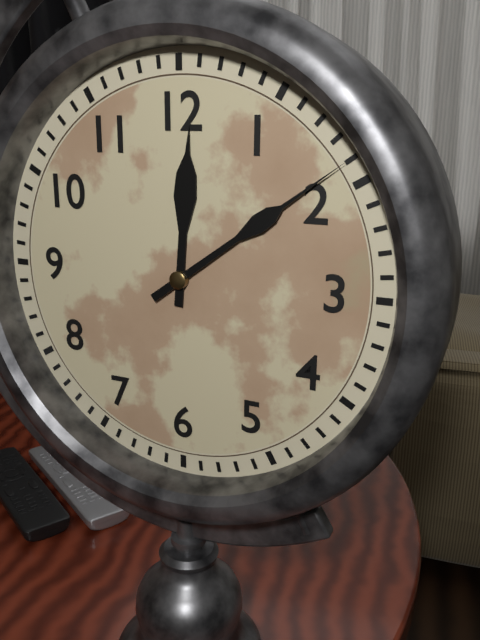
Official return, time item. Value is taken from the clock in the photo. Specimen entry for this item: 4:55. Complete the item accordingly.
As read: 12:09
